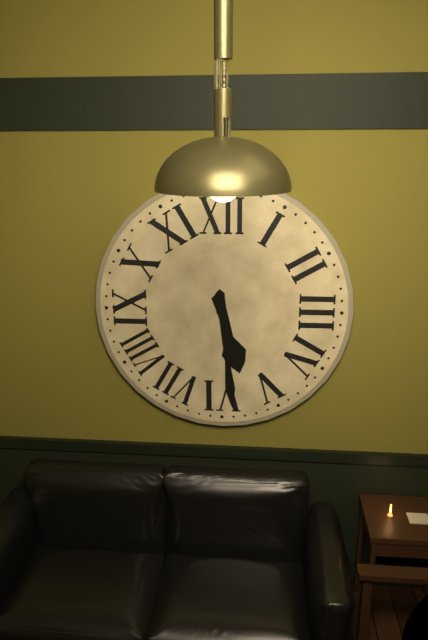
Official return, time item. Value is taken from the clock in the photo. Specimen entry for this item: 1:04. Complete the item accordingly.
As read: 5:29
